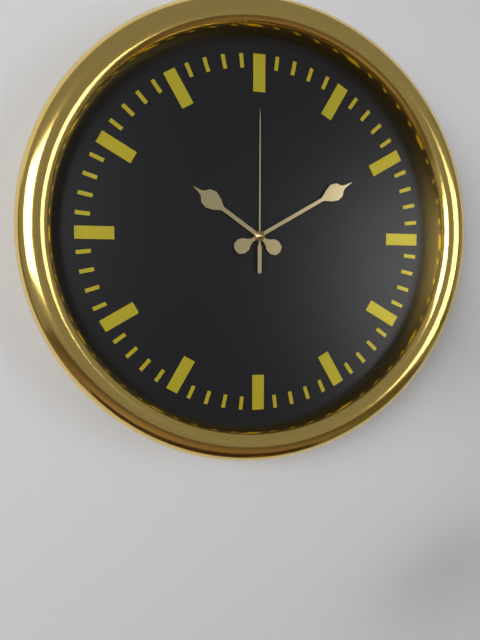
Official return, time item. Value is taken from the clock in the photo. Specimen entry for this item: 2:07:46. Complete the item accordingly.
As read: 10:10:00
